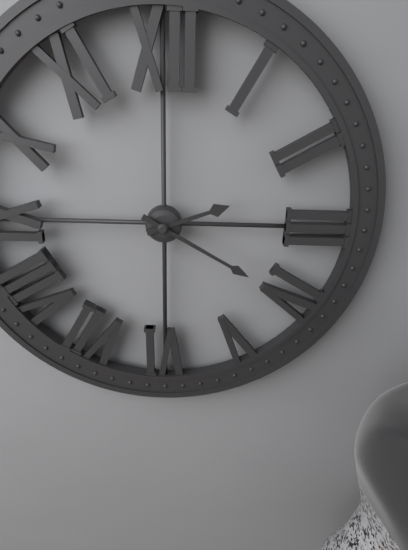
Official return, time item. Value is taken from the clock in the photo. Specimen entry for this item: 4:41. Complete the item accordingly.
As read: 2:20
